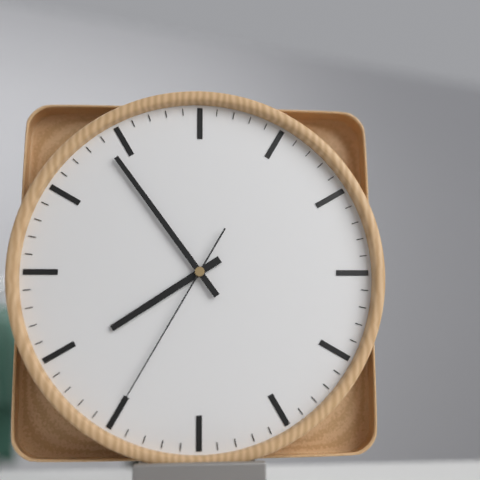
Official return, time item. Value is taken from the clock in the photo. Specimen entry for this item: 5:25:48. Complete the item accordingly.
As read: 7:54:35
